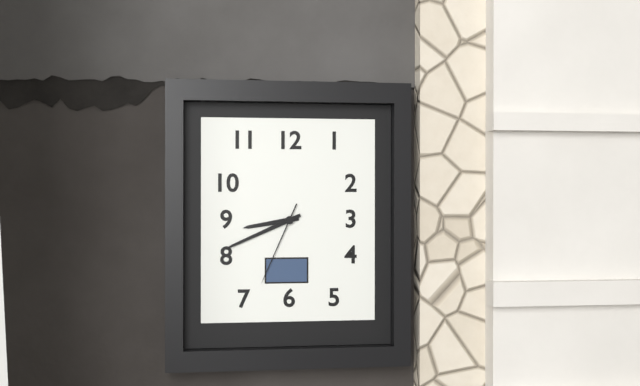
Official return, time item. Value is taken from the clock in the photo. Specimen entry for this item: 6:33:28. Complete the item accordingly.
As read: 8:41:34
